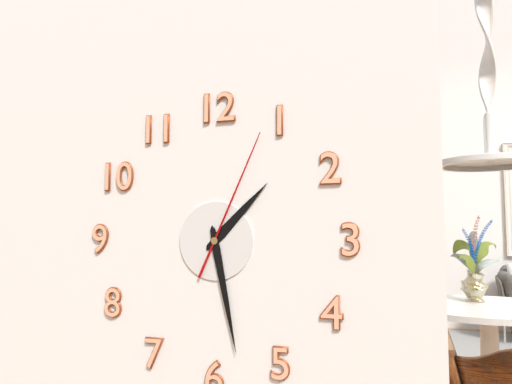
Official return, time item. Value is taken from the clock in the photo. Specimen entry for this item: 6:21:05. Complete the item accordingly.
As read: 1:28:04
